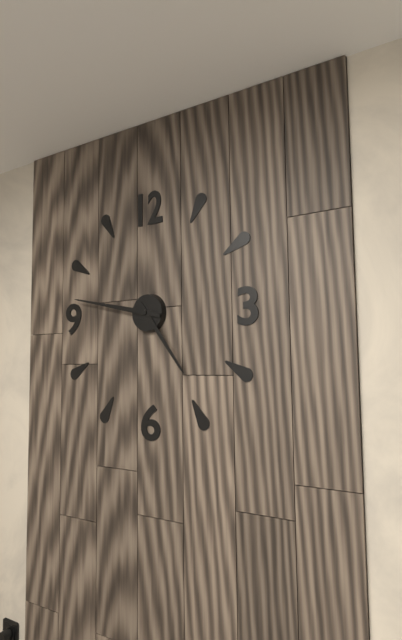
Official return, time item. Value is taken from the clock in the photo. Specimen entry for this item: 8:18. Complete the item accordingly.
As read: 4:47
